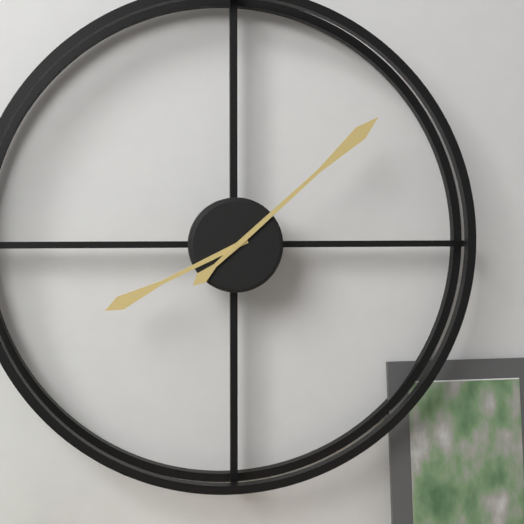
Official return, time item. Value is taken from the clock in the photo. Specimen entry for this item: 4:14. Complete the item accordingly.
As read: 8:08
